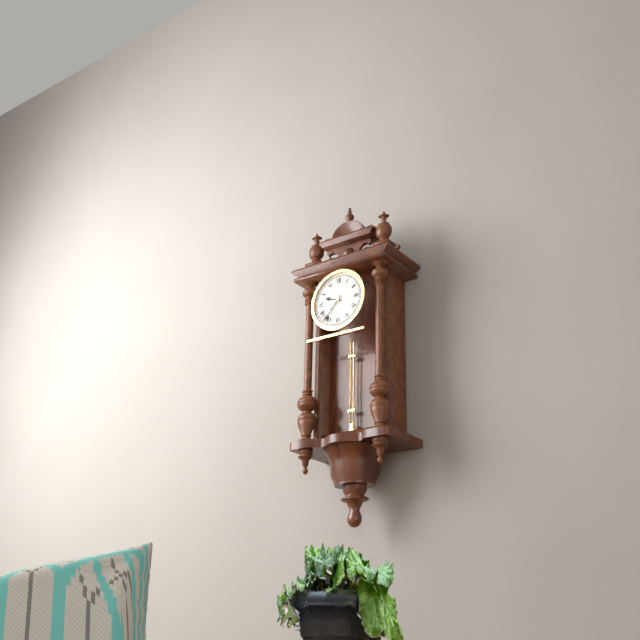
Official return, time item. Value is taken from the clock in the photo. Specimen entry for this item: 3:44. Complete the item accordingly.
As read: 9:37
